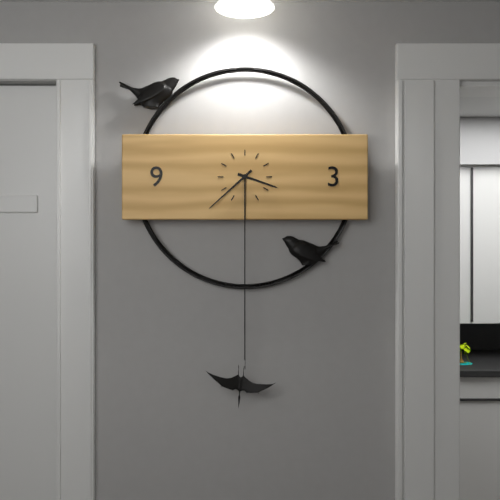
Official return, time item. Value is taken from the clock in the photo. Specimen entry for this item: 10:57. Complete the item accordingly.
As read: 3:38
